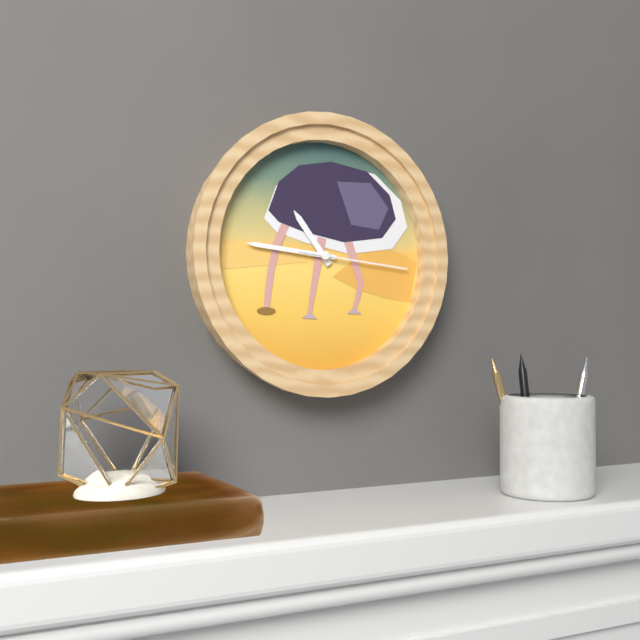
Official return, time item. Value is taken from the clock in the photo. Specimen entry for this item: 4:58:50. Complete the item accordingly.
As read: 10:46:16
